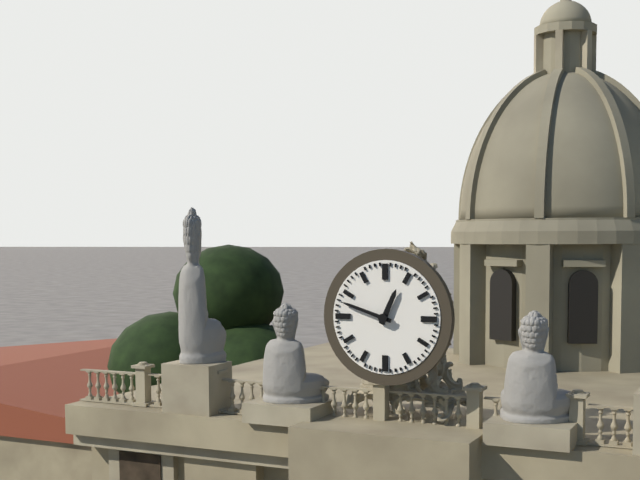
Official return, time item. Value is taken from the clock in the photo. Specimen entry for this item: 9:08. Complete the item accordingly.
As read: 12:48
